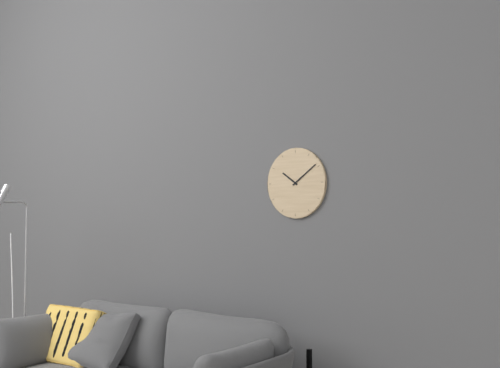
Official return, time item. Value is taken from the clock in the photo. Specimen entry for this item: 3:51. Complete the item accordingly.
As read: 10:09
